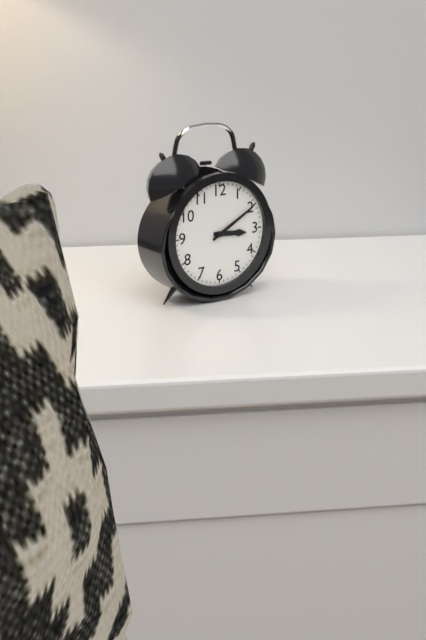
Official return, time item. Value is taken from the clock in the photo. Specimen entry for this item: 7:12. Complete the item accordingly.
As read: 3:10
